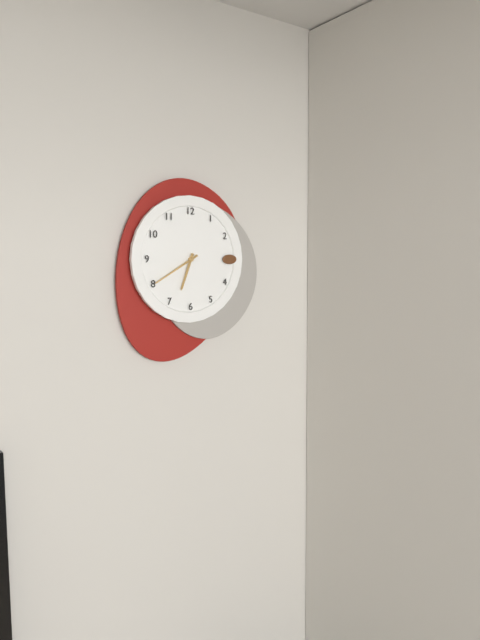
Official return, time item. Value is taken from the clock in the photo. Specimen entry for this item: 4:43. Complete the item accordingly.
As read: 6:40
